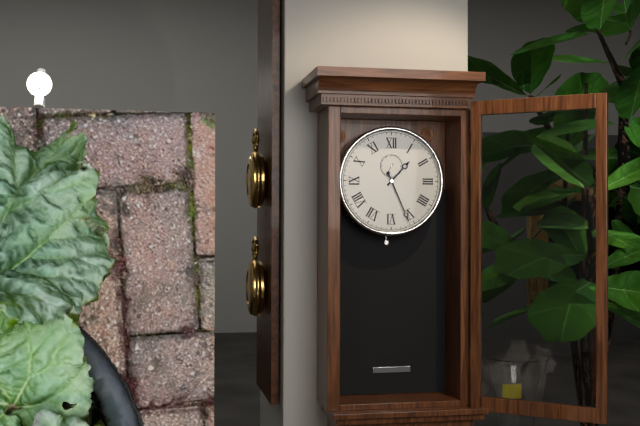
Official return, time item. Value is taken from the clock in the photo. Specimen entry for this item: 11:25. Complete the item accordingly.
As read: 1:26
